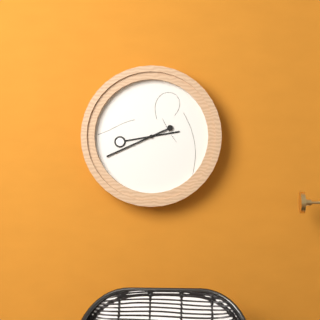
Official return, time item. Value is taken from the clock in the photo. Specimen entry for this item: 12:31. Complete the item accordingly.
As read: 2:41
